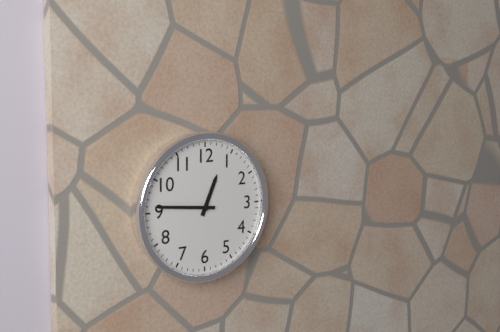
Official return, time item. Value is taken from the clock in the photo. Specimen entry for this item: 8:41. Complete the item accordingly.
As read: 12:46
